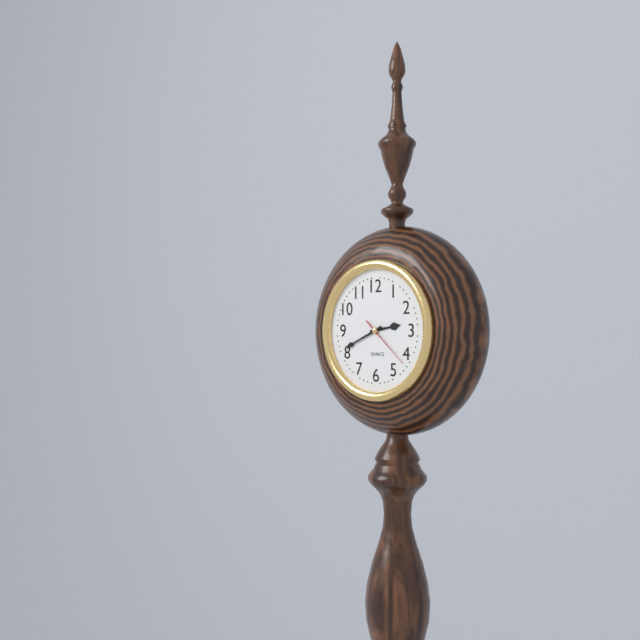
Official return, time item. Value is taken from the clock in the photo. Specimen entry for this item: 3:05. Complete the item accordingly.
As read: 2:41
